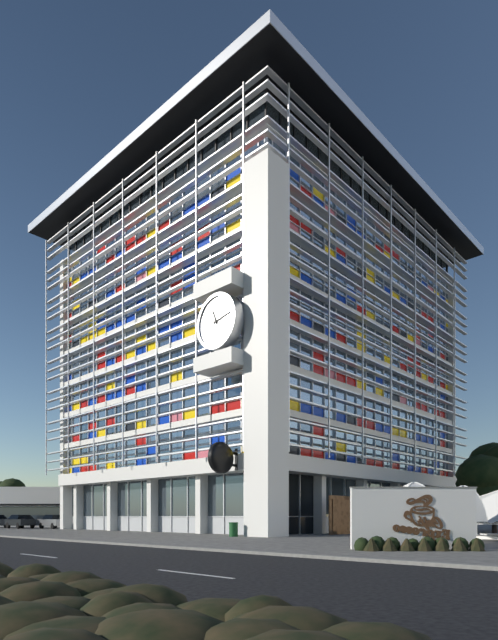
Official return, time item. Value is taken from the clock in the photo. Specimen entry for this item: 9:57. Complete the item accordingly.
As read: 11:13
